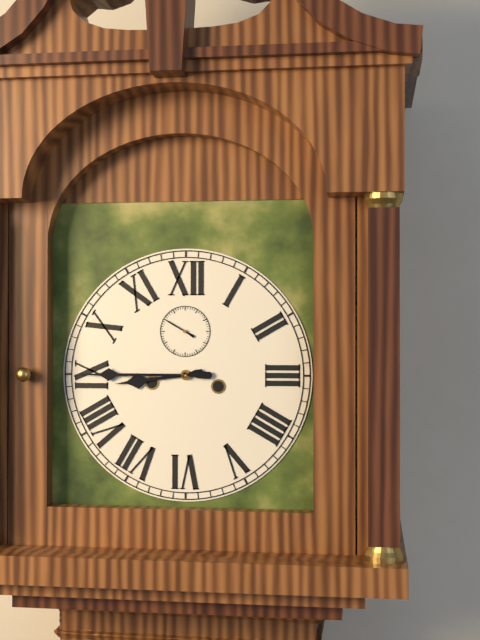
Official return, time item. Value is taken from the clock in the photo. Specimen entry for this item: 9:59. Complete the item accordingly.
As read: 8:45
